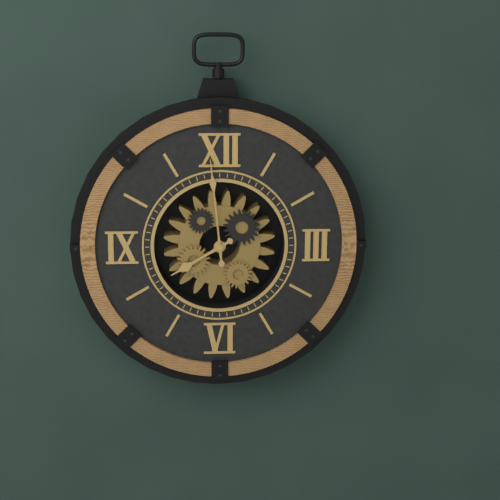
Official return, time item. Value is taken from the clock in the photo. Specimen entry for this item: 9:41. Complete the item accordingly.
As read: 7:59
